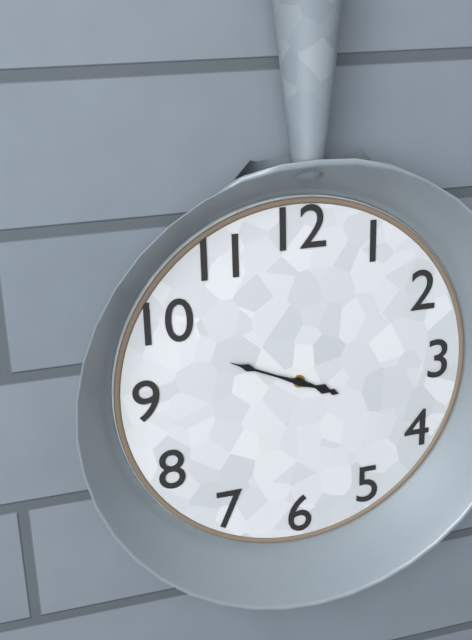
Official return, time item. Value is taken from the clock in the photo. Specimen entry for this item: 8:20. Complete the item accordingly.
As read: 3:49
